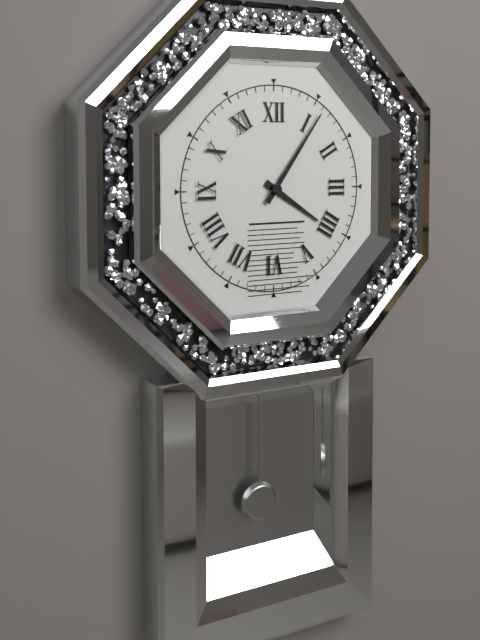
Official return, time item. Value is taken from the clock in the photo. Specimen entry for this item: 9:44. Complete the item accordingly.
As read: 4:06
